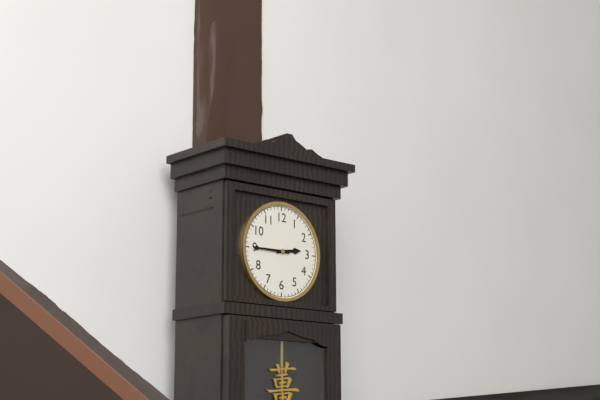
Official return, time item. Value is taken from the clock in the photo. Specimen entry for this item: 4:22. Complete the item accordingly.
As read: 2:45
